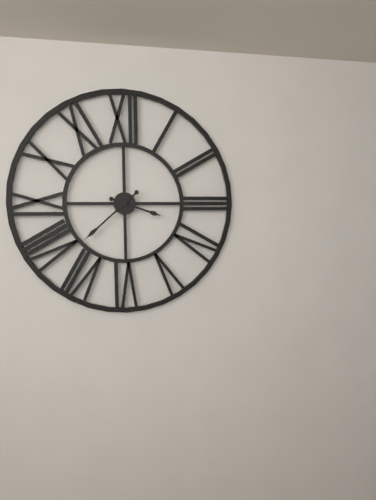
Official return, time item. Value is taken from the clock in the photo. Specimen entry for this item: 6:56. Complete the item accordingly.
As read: 3:38
